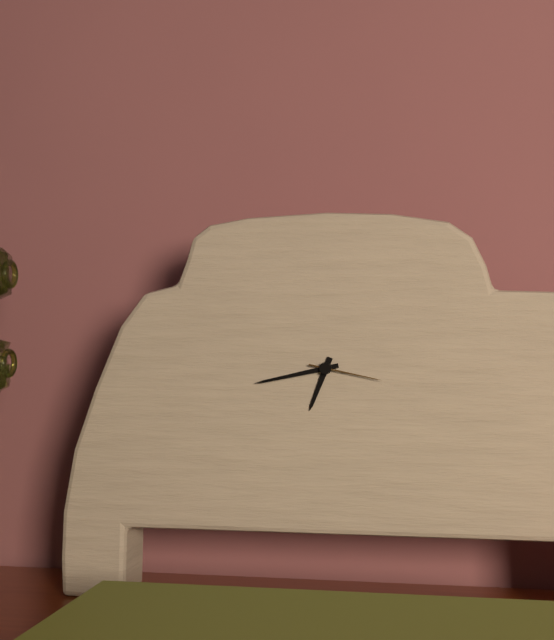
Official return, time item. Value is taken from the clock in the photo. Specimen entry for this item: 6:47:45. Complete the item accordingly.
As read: 6:43:17
